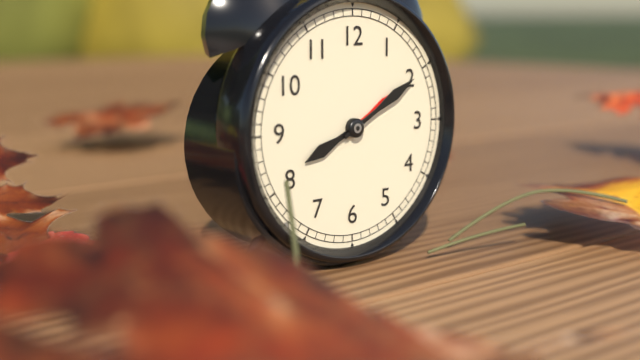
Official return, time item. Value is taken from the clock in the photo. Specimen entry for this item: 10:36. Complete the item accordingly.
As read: 8:10
